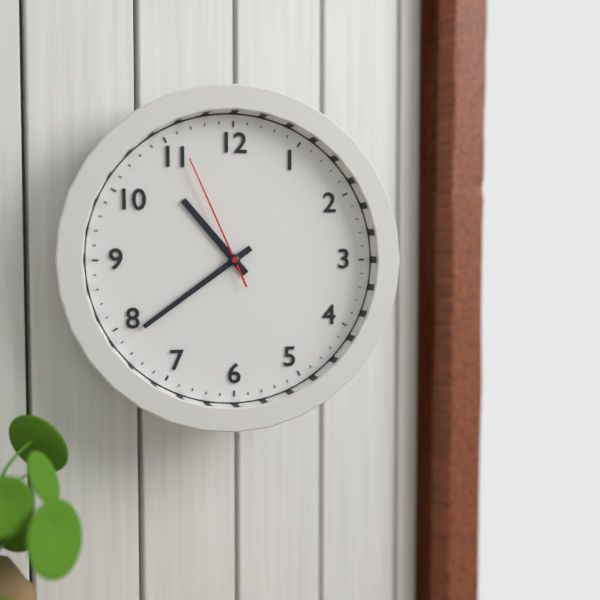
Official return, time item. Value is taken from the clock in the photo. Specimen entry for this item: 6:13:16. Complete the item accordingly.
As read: 10:39:56
